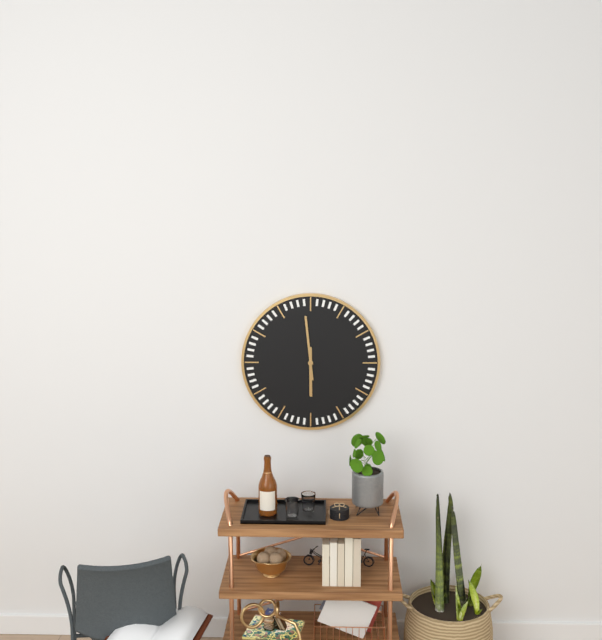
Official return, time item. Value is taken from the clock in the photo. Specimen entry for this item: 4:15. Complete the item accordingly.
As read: 5:59
